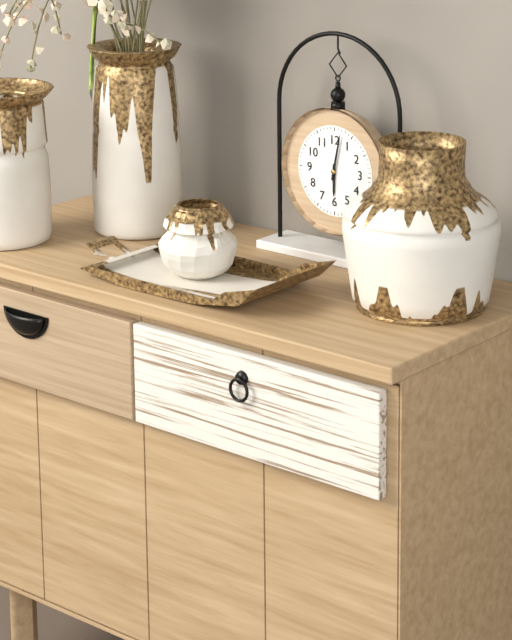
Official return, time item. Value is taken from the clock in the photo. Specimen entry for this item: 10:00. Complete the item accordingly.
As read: 6:02
